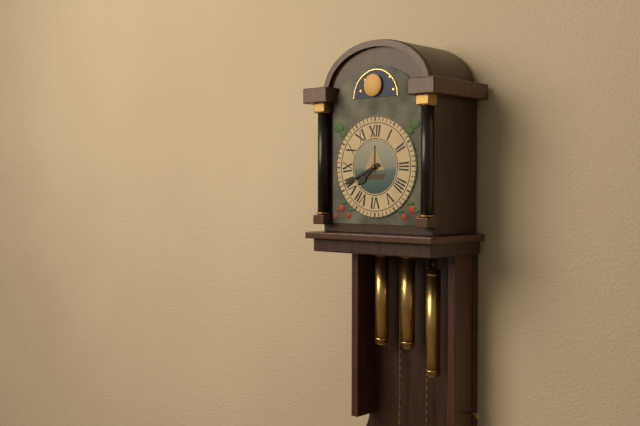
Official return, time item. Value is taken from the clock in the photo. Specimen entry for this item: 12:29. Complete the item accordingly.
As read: 7:41
